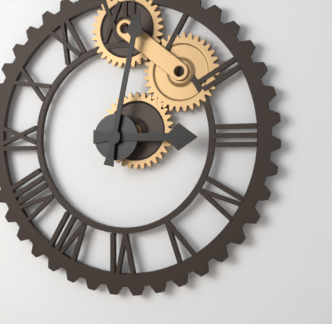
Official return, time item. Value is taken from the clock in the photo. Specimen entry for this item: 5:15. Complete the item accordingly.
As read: 3:02
